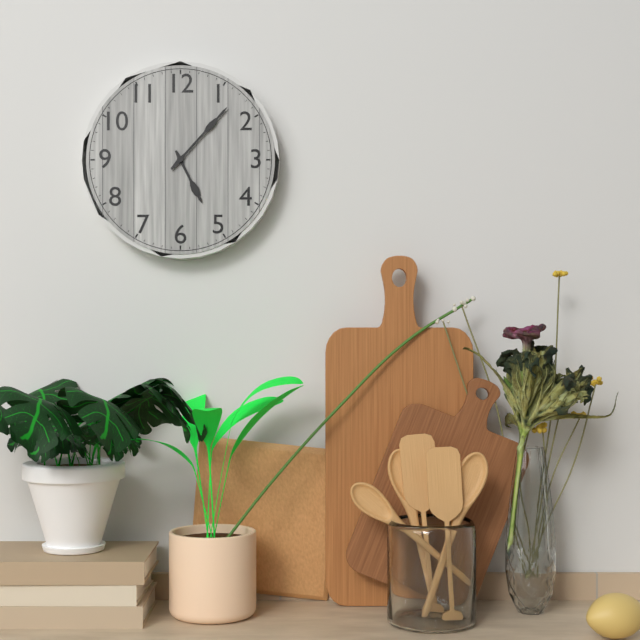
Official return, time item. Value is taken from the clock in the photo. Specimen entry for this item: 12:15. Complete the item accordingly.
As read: 5:07
